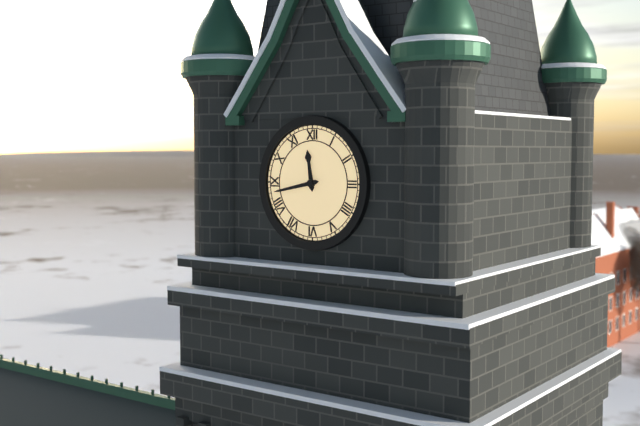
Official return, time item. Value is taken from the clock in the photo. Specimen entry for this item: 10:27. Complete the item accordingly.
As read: 11:43
